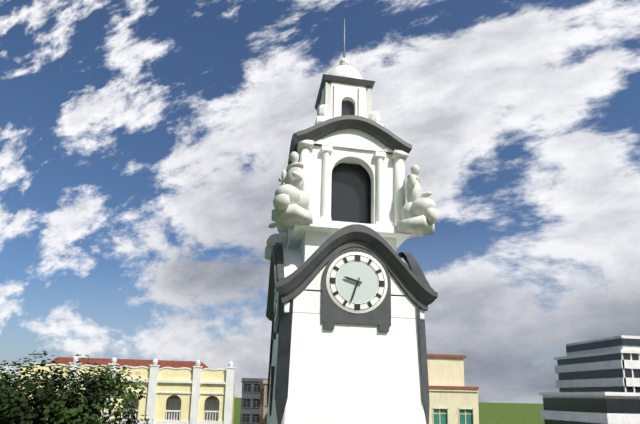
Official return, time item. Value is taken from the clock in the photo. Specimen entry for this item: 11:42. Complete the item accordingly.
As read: 9:33
